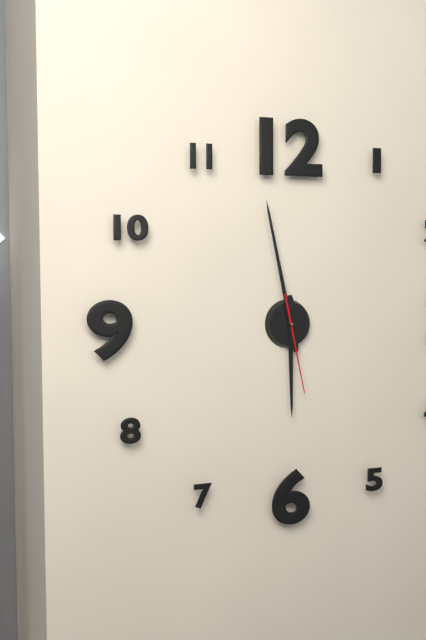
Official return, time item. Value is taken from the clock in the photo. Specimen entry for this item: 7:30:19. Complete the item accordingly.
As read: 5:58:28
